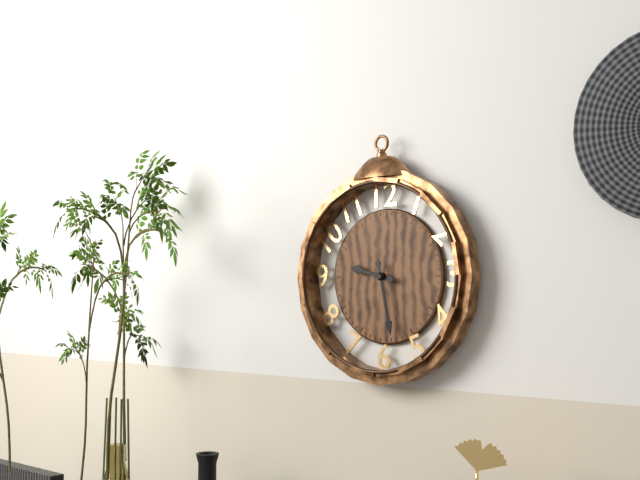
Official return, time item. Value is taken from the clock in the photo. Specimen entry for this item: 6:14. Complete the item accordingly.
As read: 9:28
